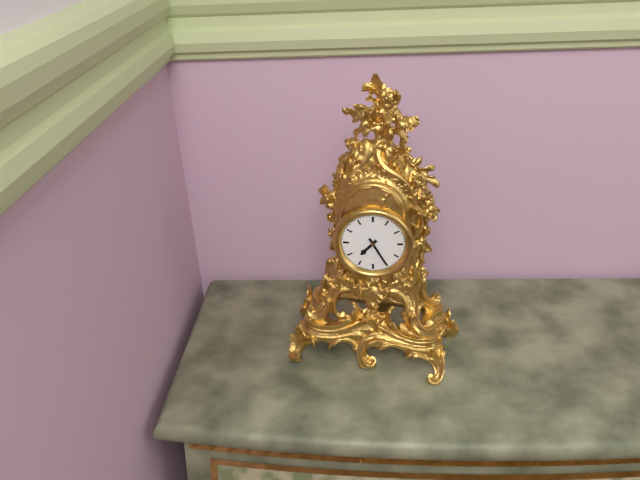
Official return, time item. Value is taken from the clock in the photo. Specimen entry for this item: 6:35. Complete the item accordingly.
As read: 7:25
